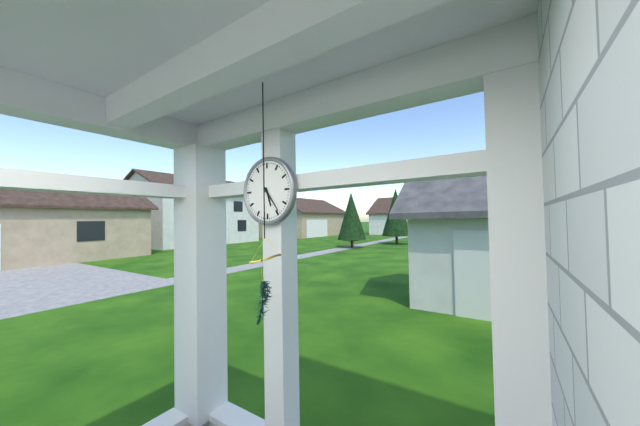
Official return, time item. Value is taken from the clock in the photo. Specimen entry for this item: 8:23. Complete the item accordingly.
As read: 5:24
